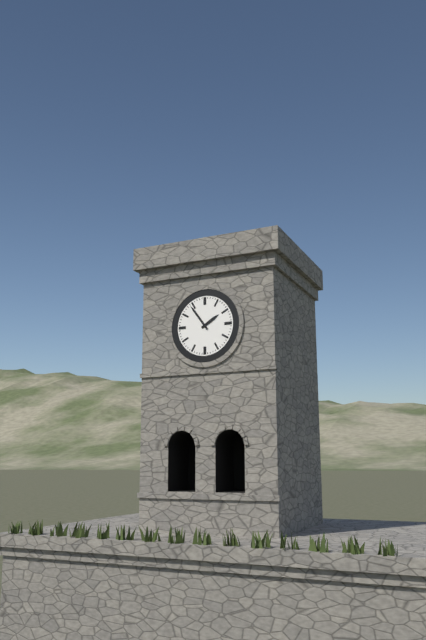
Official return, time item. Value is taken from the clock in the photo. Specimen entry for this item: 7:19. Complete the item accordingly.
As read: 1:54
